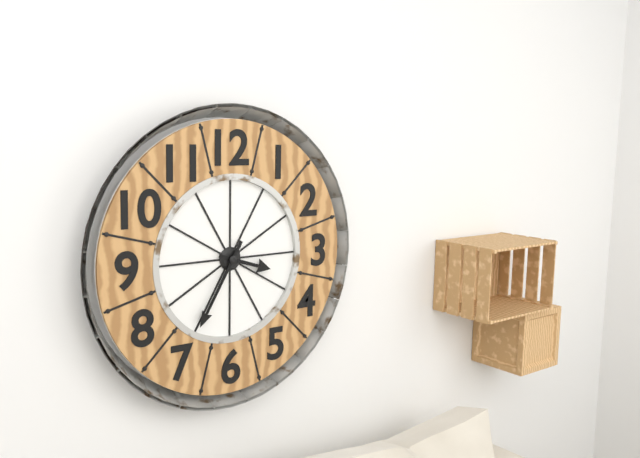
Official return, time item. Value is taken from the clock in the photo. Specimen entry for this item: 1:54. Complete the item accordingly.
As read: 3:35
